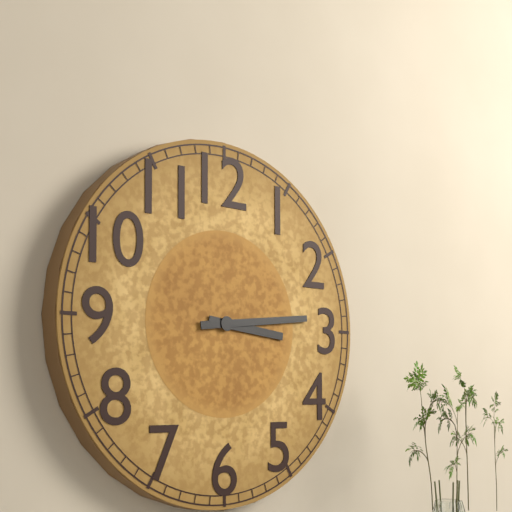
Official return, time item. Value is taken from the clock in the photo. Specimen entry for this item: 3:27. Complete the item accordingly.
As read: 3:14
